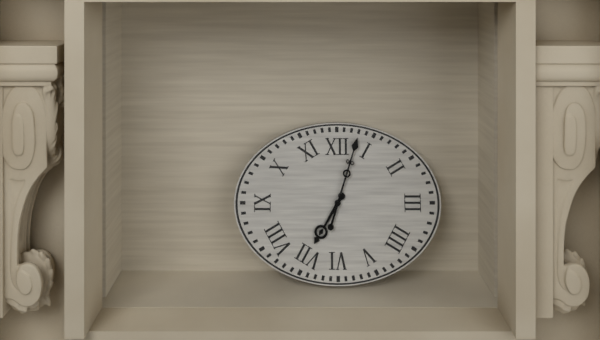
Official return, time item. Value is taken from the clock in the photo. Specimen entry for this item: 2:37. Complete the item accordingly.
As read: 7:03
